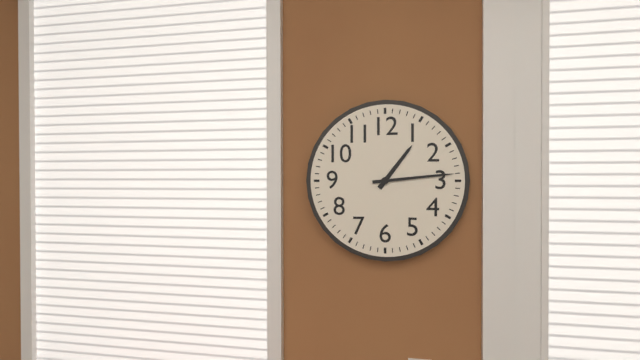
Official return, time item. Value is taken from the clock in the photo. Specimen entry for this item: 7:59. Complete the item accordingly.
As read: 1:14
